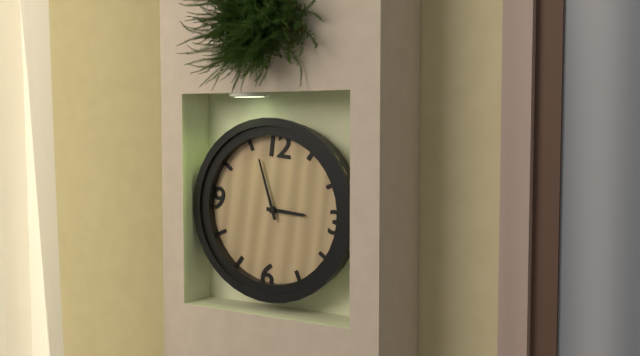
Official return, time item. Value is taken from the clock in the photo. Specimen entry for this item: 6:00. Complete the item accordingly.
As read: 2:56
